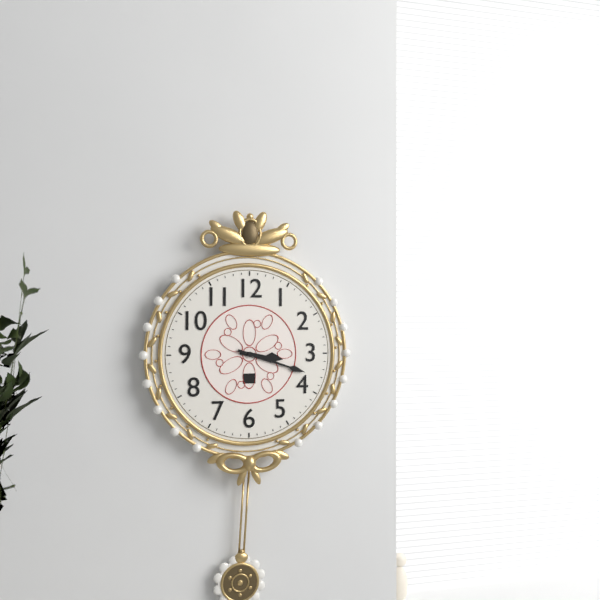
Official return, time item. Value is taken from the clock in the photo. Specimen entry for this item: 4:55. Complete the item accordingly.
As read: 3:18
